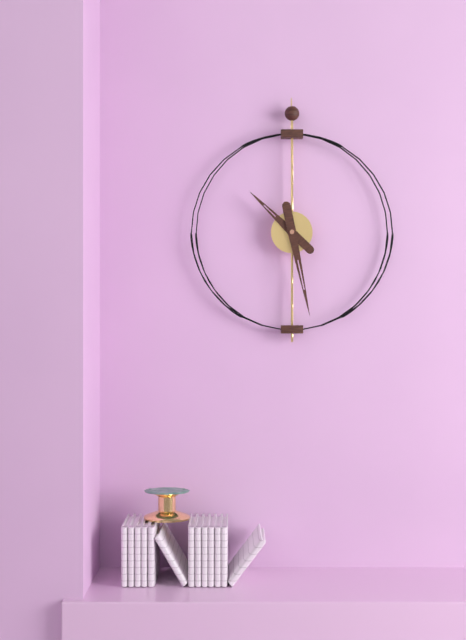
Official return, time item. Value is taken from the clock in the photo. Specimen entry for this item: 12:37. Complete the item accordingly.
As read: 10:28
